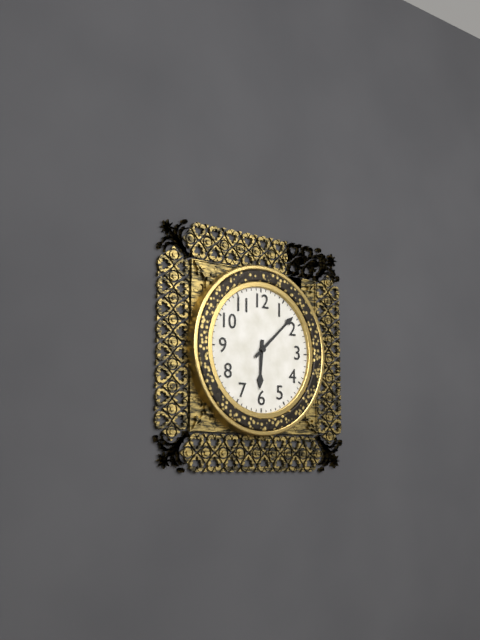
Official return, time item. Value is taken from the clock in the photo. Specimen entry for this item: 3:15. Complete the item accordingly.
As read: 6:08
